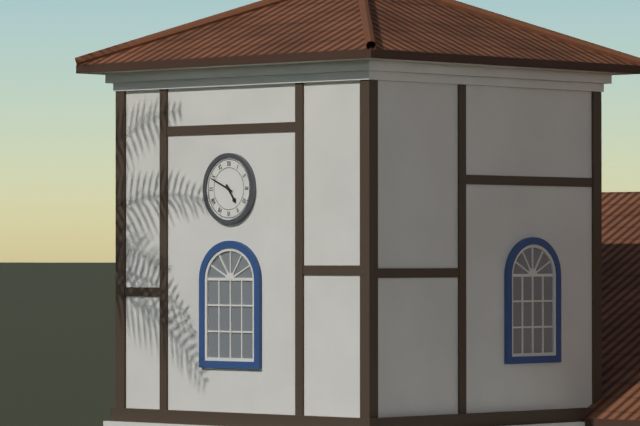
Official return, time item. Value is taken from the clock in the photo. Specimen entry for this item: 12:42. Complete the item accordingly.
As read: 4:49
